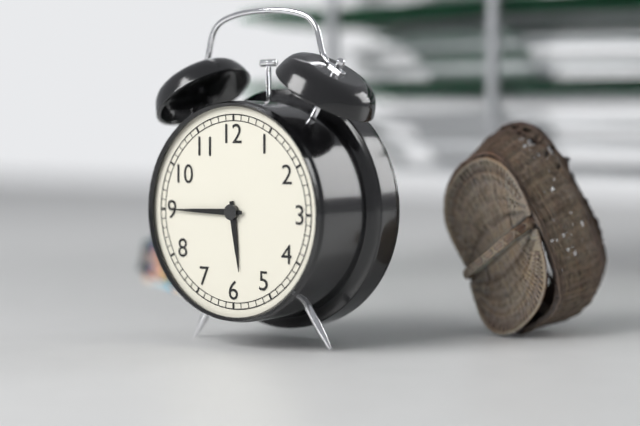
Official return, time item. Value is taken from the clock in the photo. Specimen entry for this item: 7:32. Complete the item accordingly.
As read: 5:45
